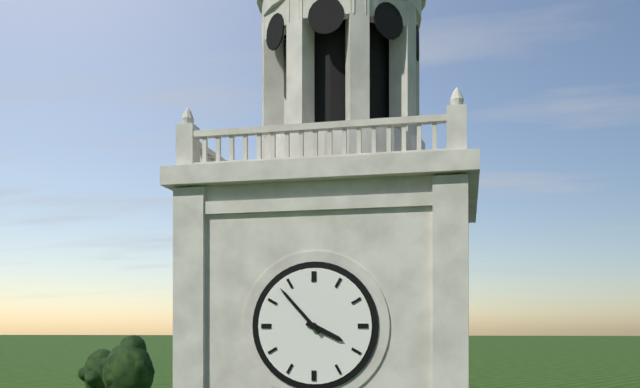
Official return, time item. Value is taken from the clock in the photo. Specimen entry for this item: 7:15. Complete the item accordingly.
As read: 3:53
